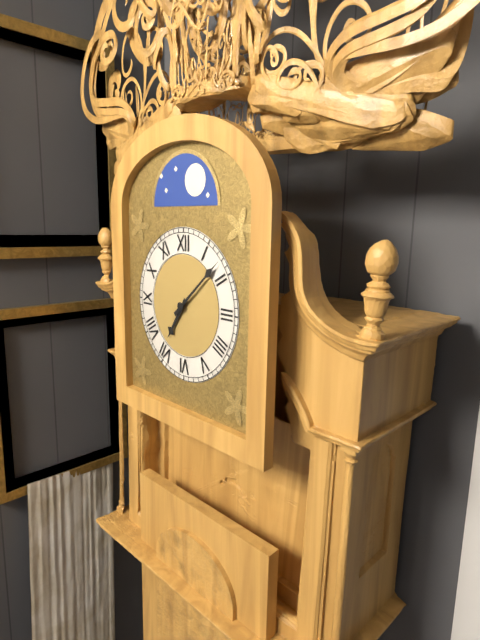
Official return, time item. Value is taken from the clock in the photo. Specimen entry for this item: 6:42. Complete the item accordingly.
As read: 7:08
